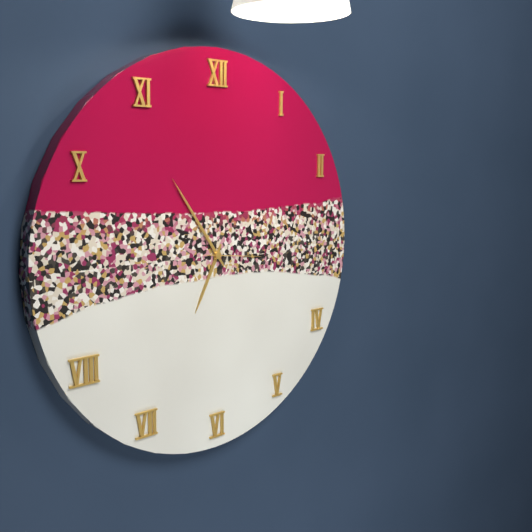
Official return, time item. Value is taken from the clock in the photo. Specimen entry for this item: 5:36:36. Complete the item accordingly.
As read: 6:54:16
